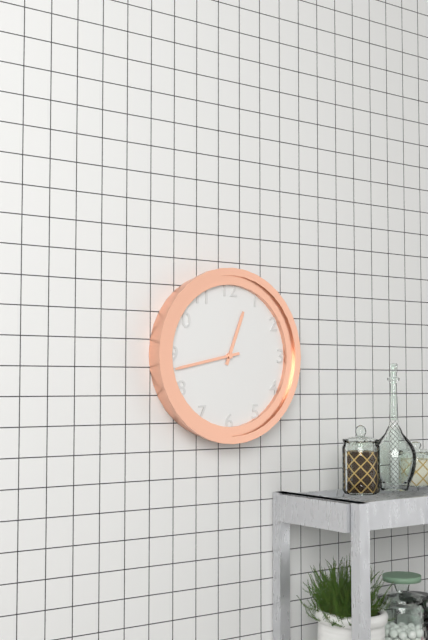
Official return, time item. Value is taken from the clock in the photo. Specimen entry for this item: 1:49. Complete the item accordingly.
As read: 12:43
